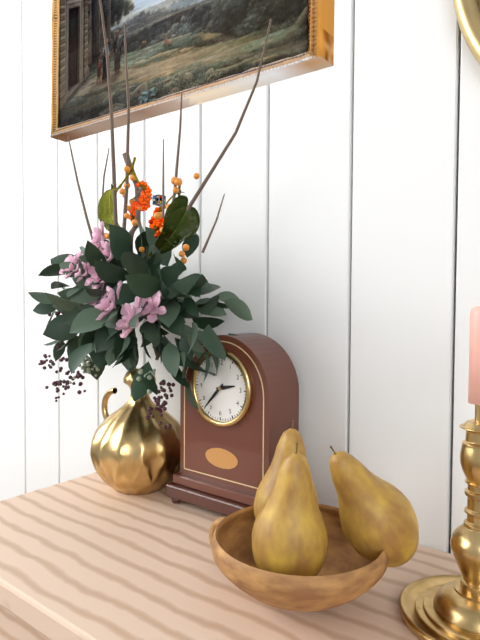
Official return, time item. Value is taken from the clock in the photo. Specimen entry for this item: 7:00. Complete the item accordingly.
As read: 2:37
